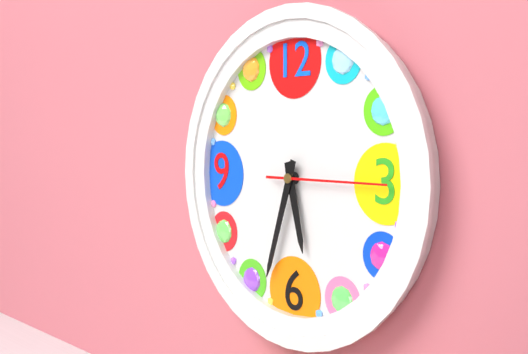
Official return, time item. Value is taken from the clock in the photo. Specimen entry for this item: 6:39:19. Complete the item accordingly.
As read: 5:33:15
